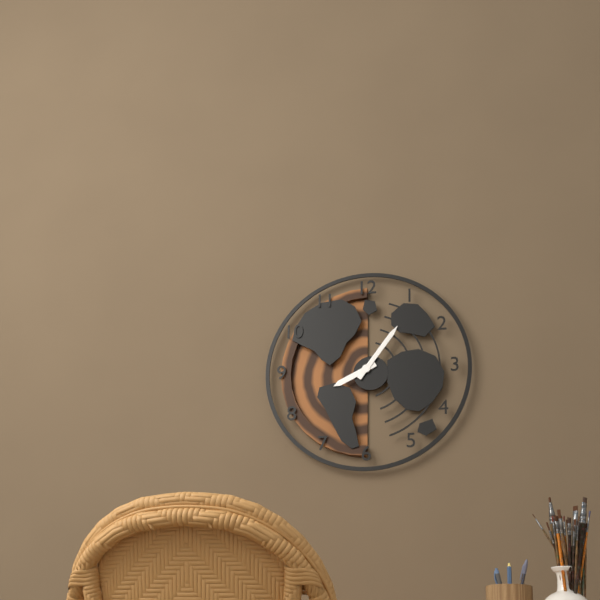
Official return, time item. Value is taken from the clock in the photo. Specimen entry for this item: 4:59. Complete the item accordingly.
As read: 8:06
